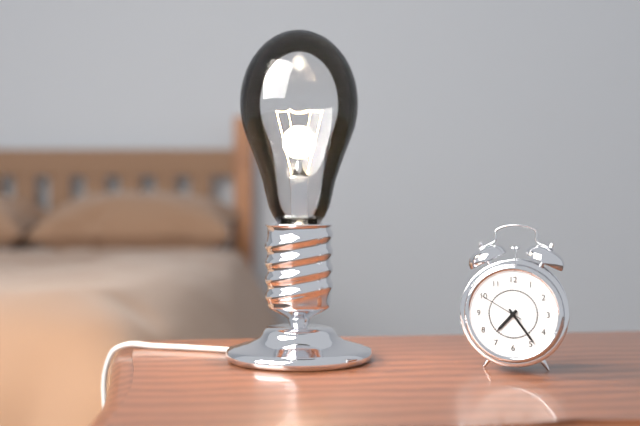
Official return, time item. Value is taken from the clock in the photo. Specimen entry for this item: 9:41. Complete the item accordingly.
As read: 7:24
